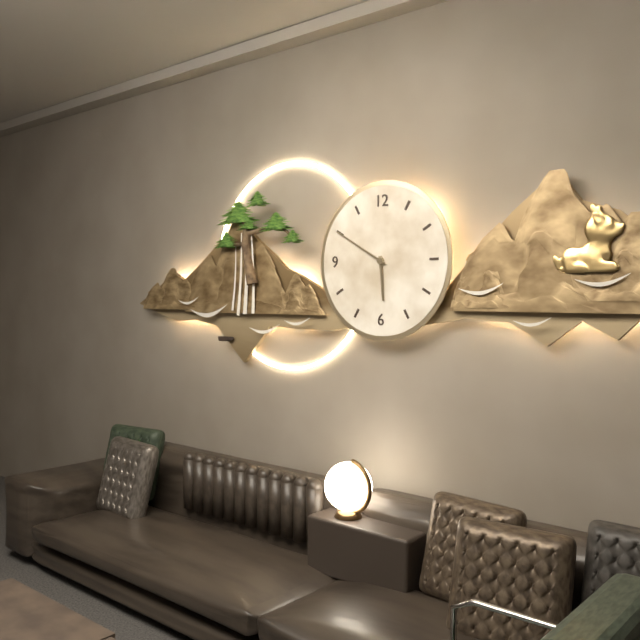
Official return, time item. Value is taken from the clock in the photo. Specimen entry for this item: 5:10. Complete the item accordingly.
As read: 5:50
